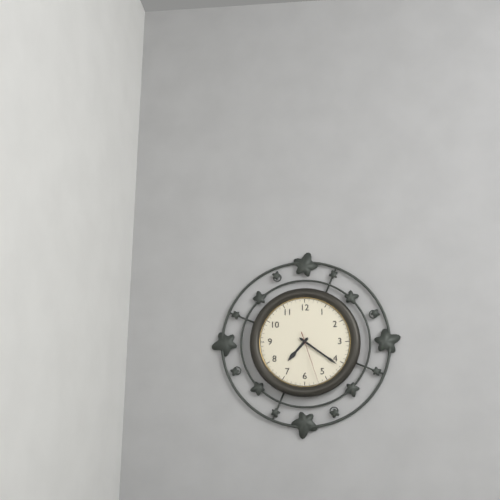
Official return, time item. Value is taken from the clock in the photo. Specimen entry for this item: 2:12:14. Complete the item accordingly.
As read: 7:21:27
